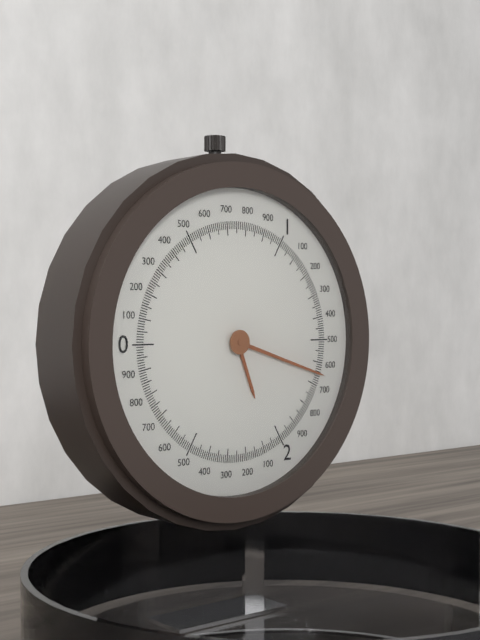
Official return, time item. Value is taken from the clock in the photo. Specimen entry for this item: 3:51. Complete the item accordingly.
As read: 5:18
